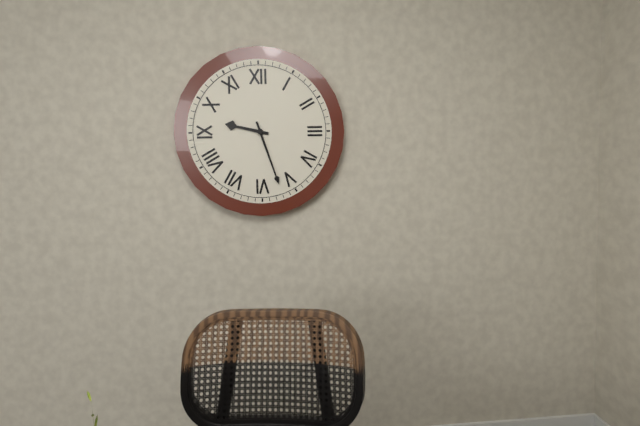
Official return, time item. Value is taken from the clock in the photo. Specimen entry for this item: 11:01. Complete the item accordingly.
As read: 9:27
